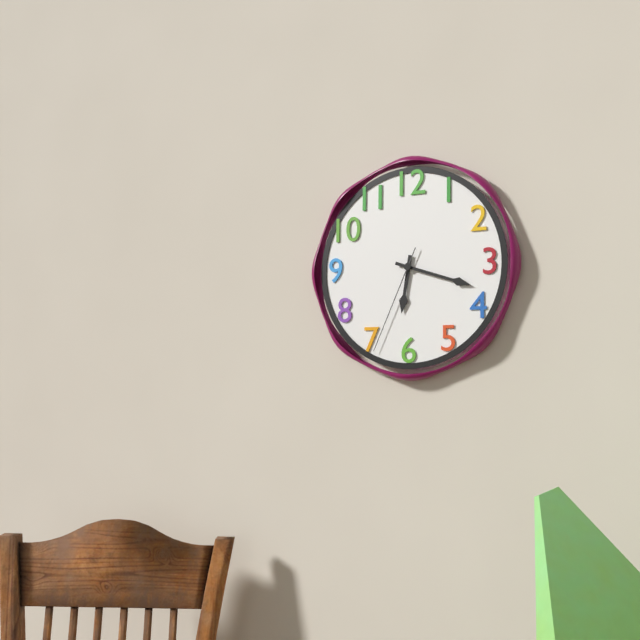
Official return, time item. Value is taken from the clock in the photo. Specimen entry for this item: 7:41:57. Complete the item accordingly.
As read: 6:18:34
